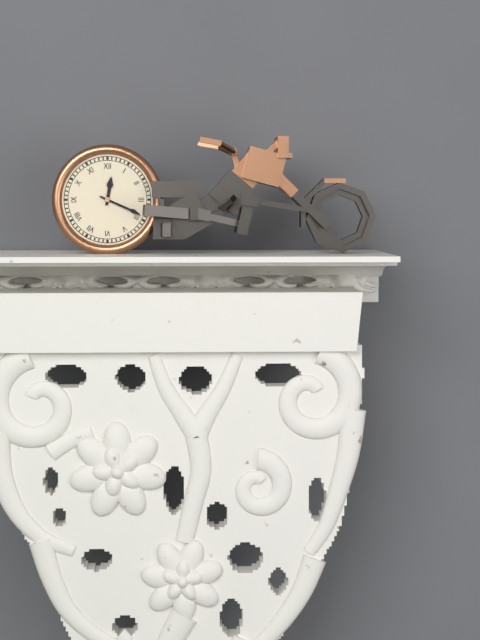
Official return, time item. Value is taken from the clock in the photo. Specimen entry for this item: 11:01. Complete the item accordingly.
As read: 12:19
